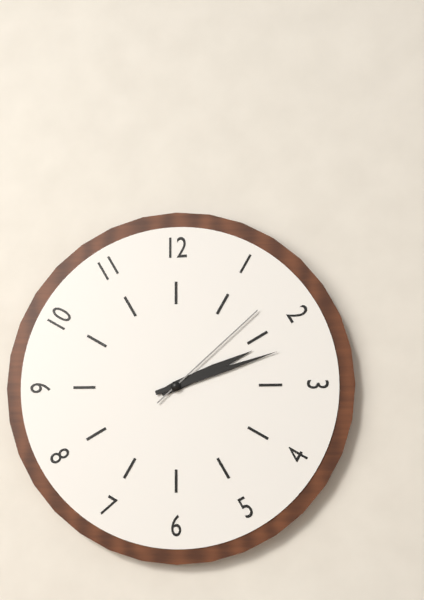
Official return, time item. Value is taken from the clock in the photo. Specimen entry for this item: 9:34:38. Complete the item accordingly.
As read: 2:12:08
